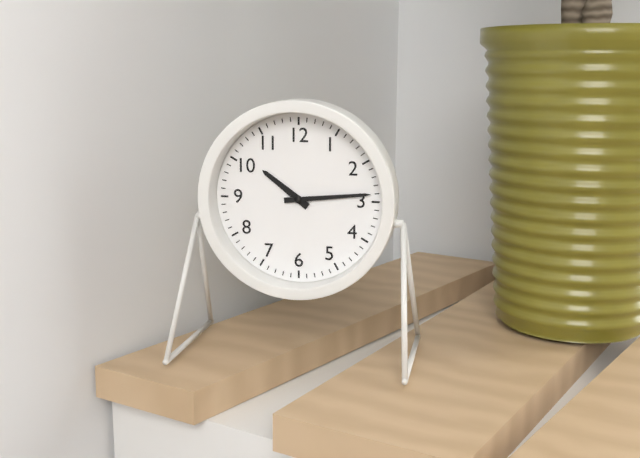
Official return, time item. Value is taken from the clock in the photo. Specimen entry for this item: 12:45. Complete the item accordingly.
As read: 10:14
